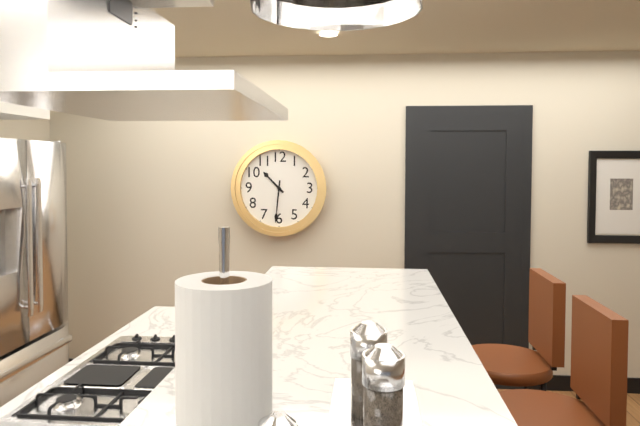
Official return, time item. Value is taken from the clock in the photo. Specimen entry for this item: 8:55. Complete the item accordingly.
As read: 10:31
